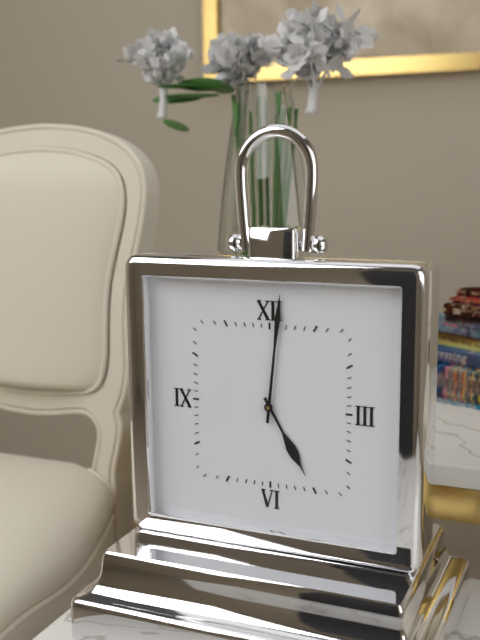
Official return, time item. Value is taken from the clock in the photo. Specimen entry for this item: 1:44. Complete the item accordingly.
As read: 5:01
